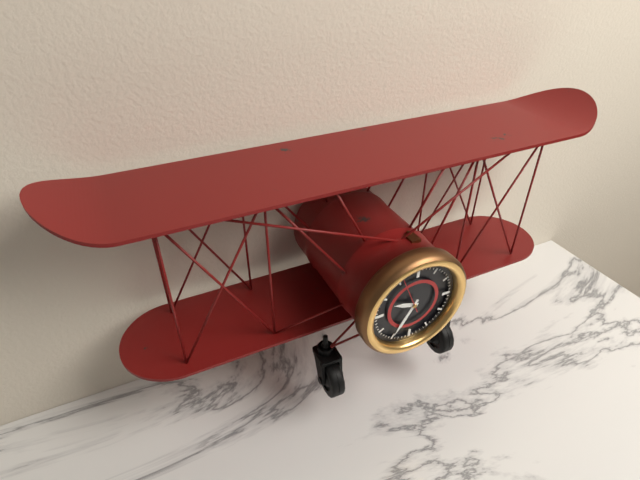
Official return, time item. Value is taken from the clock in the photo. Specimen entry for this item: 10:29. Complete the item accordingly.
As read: 9:35
